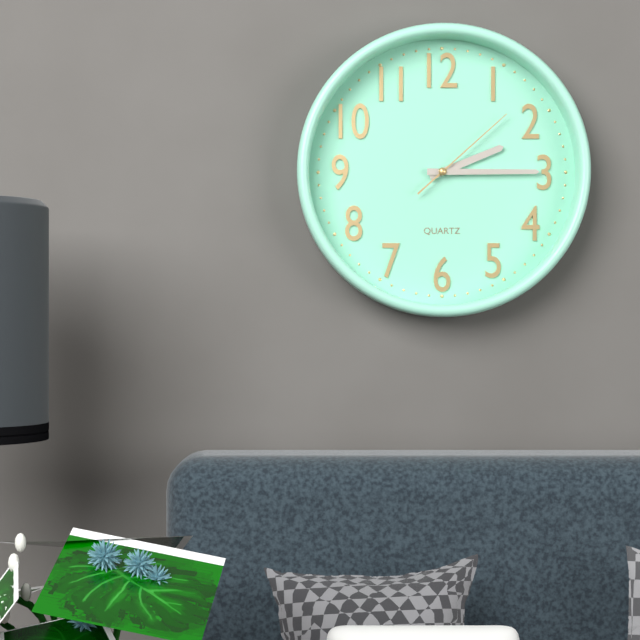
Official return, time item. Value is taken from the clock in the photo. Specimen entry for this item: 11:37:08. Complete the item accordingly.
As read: 2:15:08
